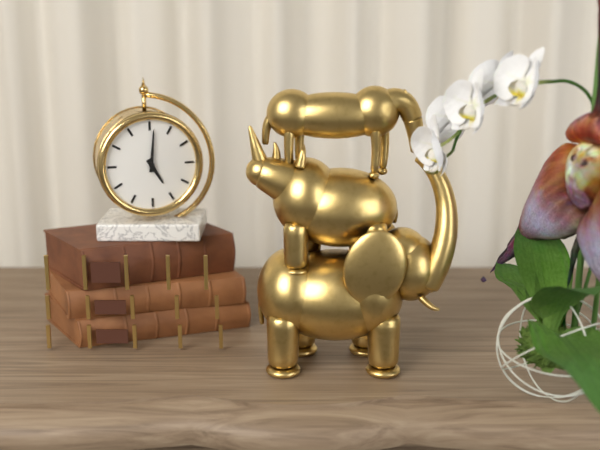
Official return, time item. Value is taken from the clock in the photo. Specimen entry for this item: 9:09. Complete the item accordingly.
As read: 5:01
